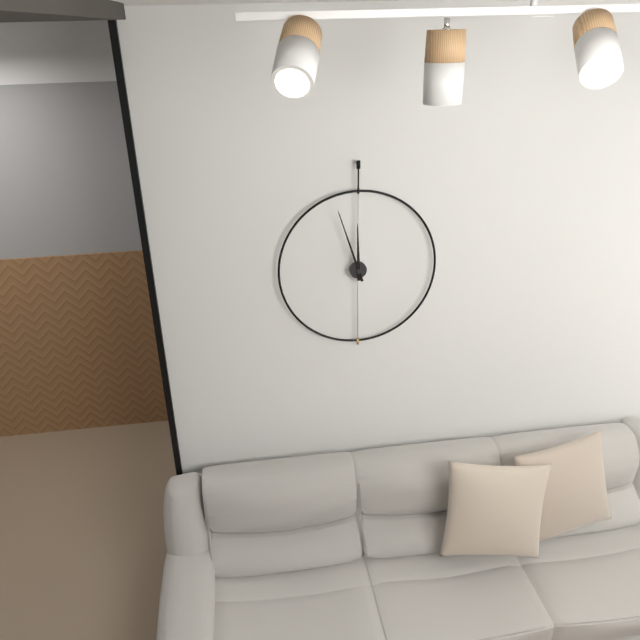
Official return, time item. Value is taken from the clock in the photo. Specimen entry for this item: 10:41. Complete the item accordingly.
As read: 11:57
